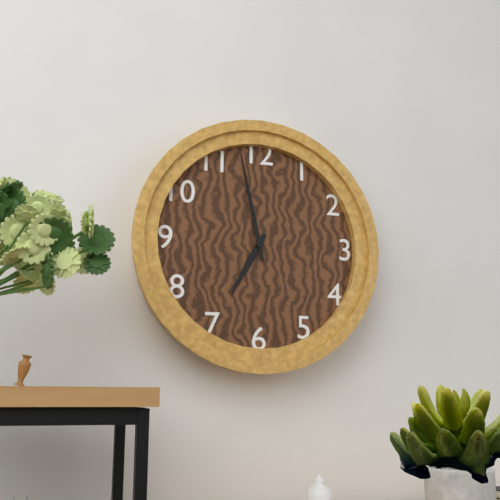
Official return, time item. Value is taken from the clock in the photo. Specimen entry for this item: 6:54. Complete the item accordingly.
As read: 6:58
